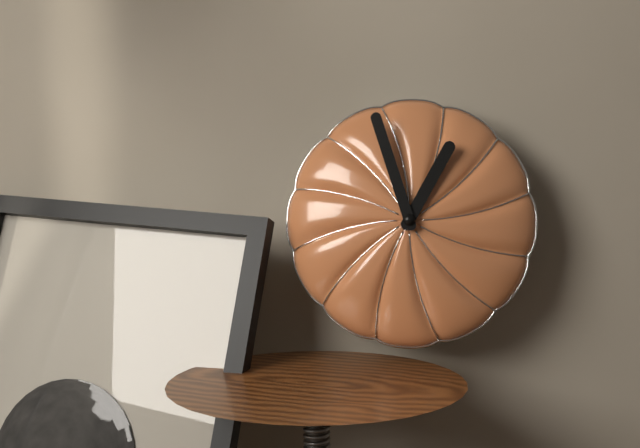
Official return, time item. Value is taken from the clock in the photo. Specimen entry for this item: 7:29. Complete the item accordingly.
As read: 12:57
